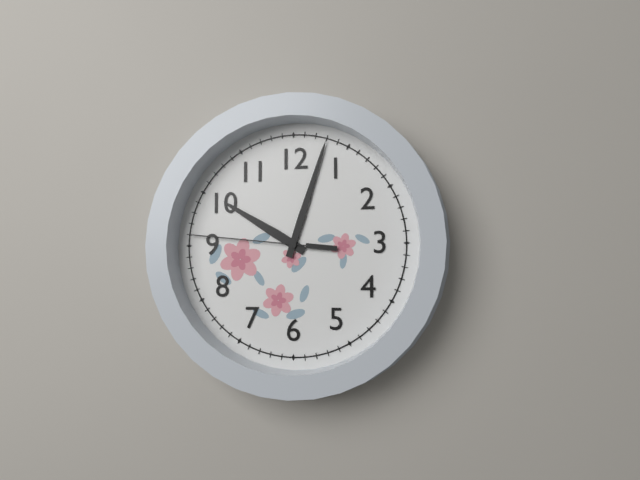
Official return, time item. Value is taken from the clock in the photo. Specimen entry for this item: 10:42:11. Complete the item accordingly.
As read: 10:03:46
